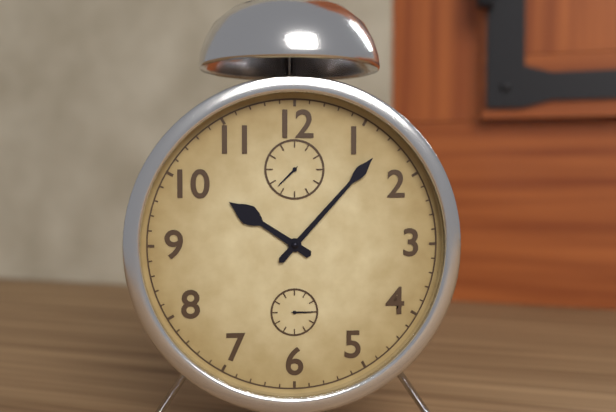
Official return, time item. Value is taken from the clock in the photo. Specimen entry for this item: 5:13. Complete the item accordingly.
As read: 10:07
